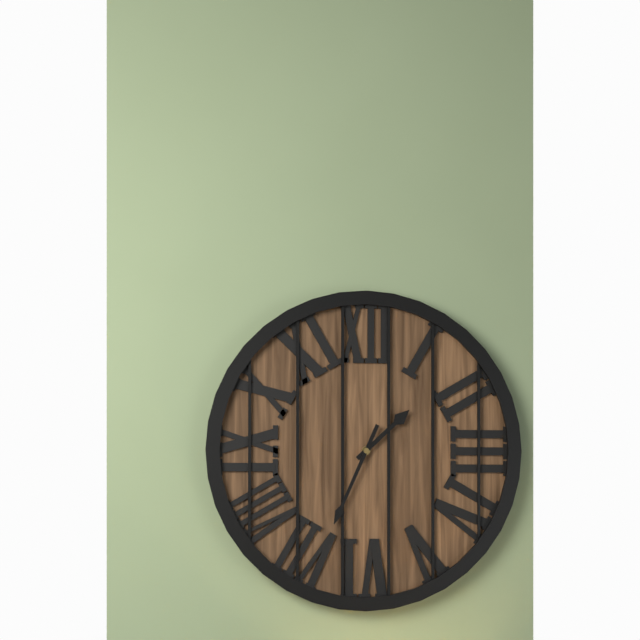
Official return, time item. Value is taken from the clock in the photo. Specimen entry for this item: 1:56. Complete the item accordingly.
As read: 1:34
